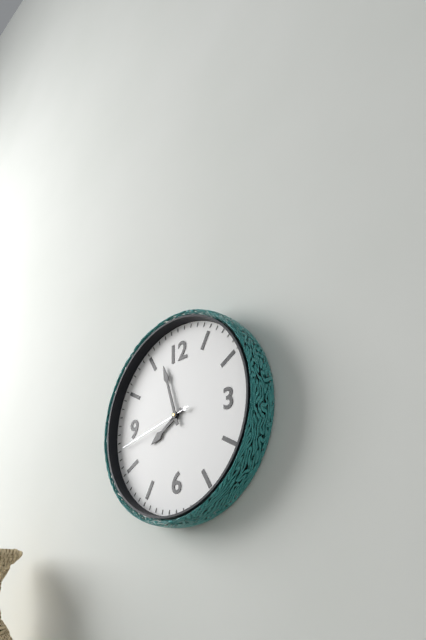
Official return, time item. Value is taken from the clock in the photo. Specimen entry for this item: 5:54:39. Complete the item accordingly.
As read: 7:57:43
